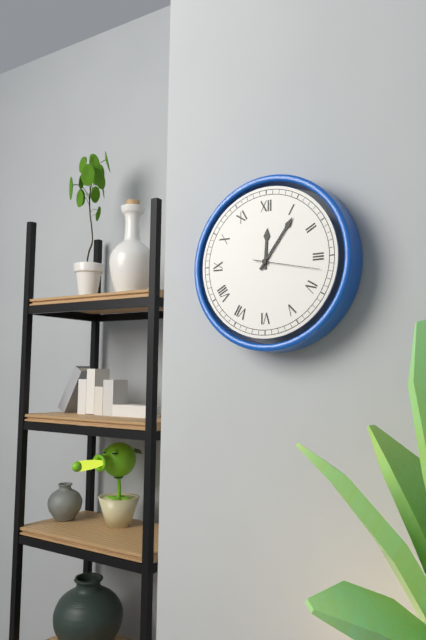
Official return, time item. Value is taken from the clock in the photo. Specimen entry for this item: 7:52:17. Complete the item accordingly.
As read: 12:06:17
